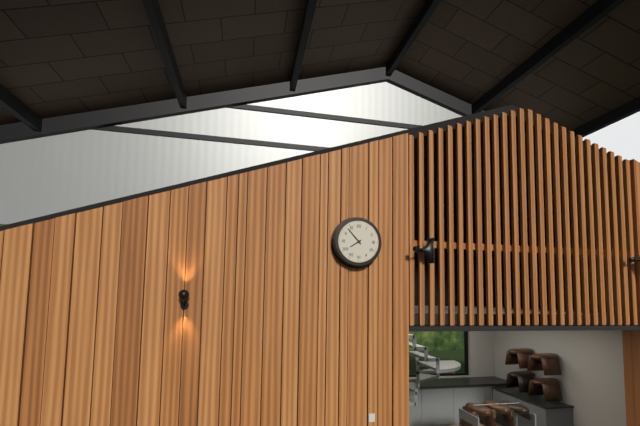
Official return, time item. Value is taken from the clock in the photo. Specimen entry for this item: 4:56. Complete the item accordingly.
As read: 7:53
